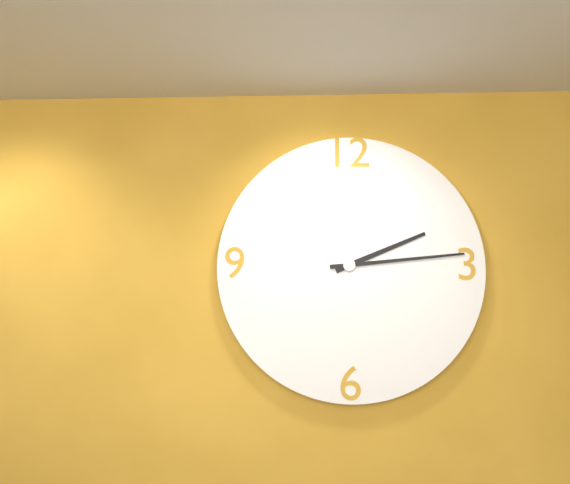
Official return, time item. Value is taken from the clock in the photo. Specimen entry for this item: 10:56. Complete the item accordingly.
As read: 2:14
